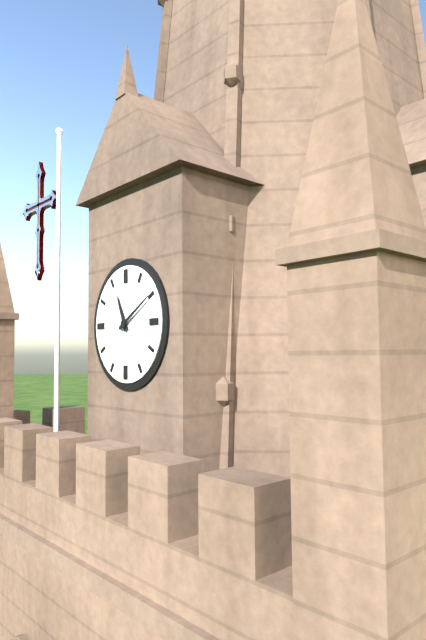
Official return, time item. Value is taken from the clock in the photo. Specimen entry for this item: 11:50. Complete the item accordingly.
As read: 11:10
